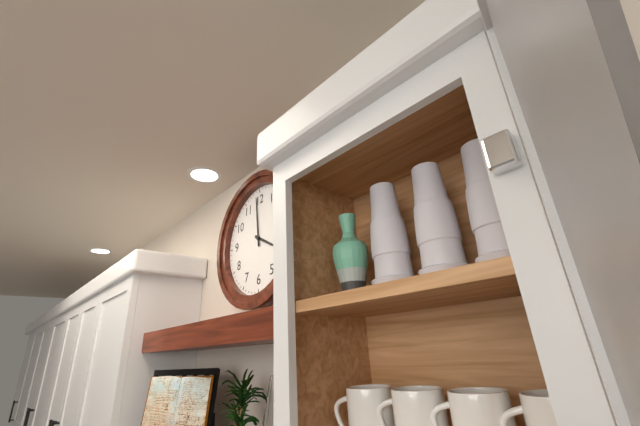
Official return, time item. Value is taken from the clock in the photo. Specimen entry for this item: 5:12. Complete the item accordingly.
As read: 3:59
